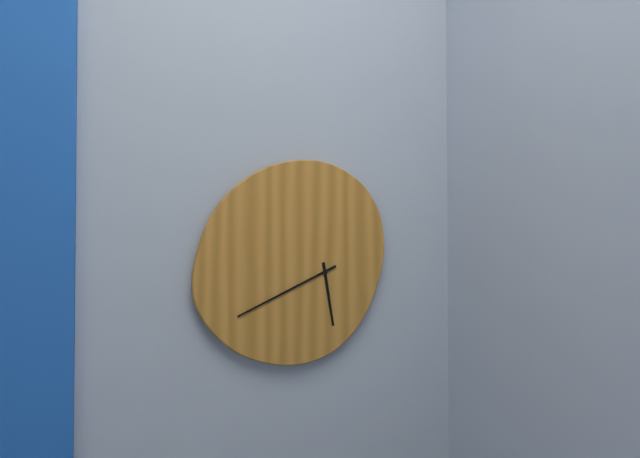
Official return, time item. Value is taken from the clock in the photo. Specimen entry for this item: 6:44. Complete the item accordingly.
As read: 5:41
